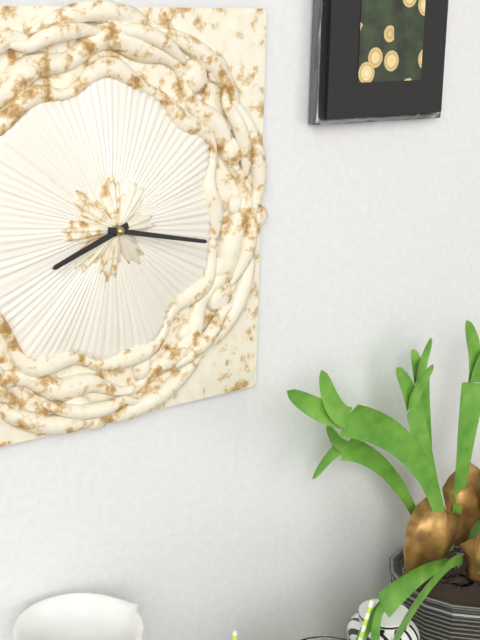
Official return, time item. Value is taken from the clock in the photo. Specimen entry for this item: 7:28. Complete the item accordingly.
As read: 8:17
